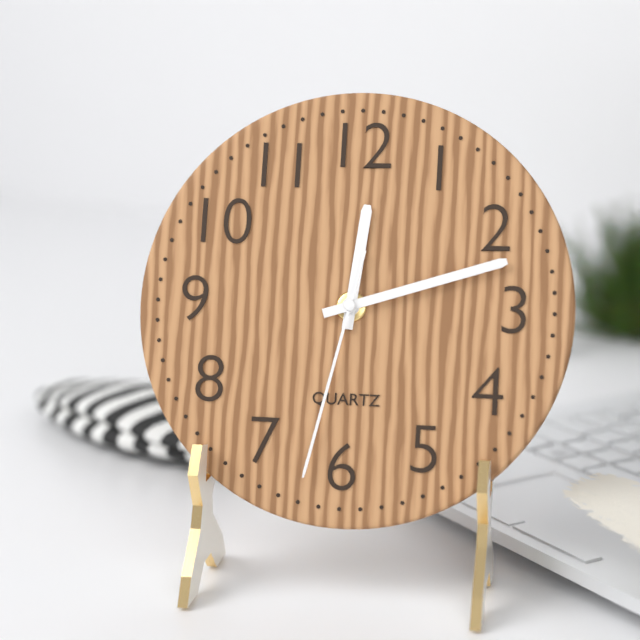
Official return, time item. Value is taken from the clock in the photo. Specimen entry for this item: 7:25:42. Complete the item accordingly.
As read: 12:12:32
